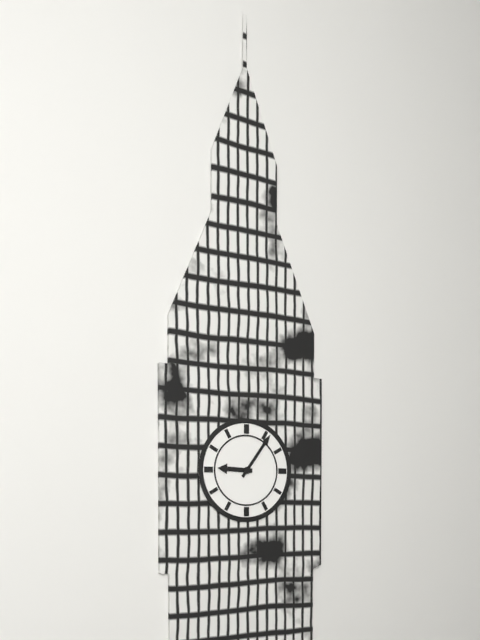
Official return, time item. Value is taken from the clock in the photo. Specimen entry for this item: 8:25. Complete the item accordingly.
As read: 9:06
